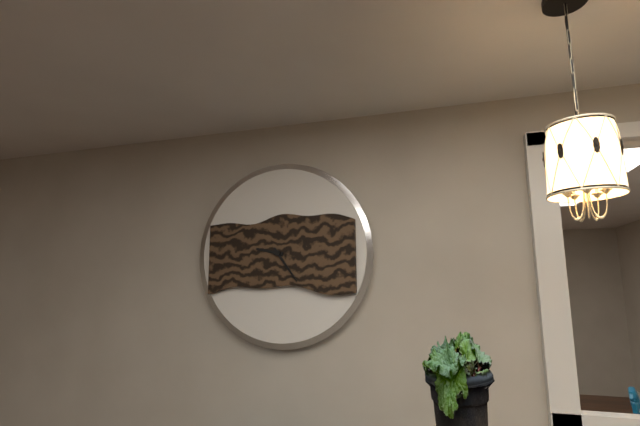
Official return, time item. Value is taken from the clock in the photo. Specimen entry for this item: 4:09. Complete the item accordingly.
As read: 9:24
